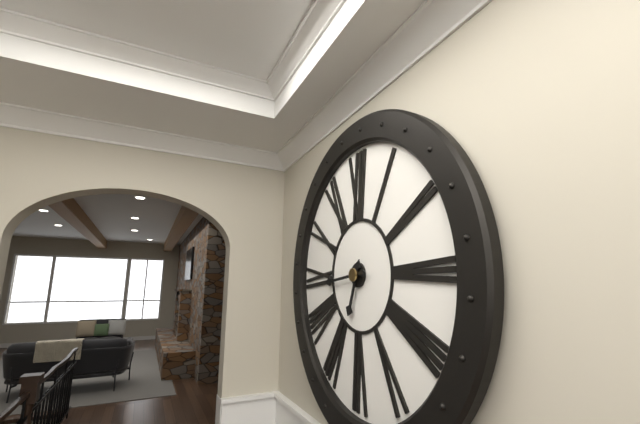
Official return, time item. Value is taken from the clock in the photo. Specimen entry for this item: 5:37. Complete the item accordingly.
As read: 6:44
